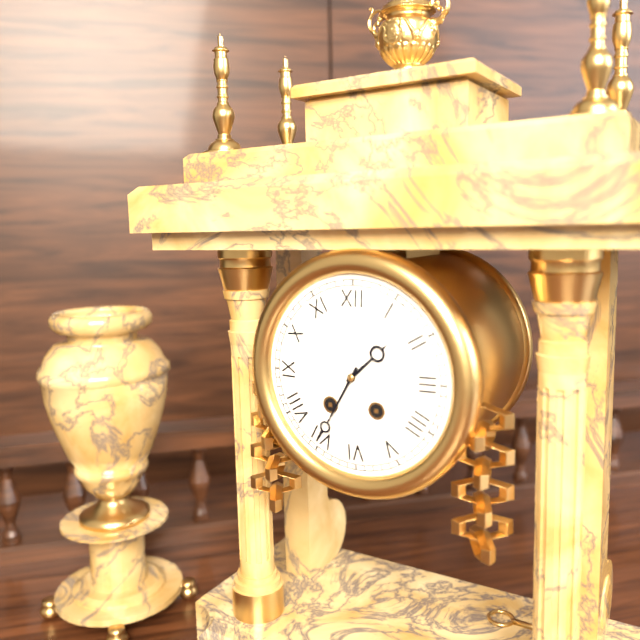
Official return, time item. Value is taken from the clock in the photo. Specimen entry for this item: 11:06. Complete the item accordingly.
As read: 1:35
